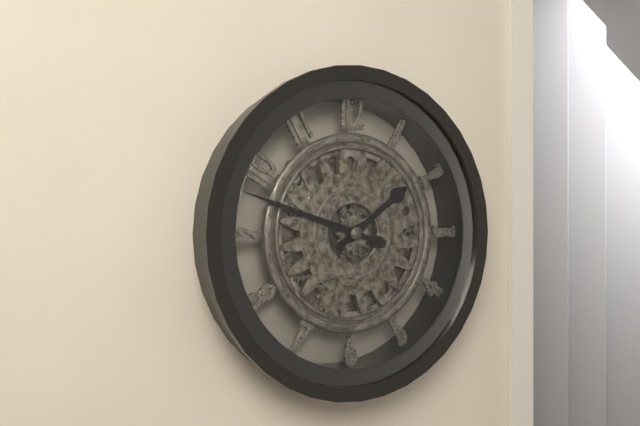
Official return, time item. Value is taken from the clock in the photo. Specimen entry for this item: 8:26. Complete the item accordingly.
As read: 1:48
